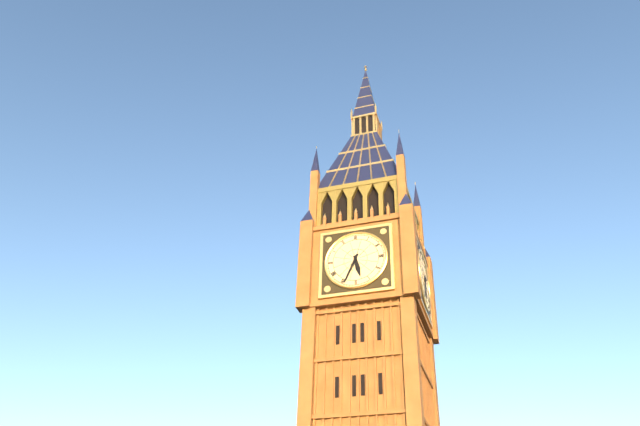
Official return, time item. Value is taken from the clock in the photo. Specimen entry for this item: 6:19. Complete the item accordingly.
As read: 5:34
